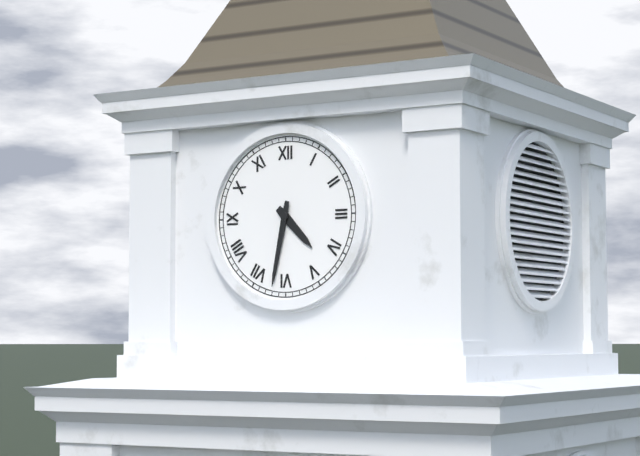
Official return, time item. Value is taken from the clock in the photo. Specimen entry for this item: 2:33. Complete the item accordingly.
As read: 4:32
